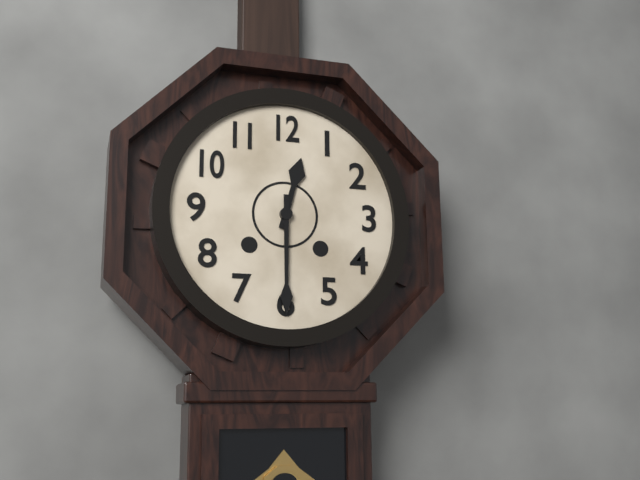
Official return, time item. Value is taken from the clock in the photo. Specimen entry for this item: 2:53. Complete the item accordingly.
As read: 12:30
